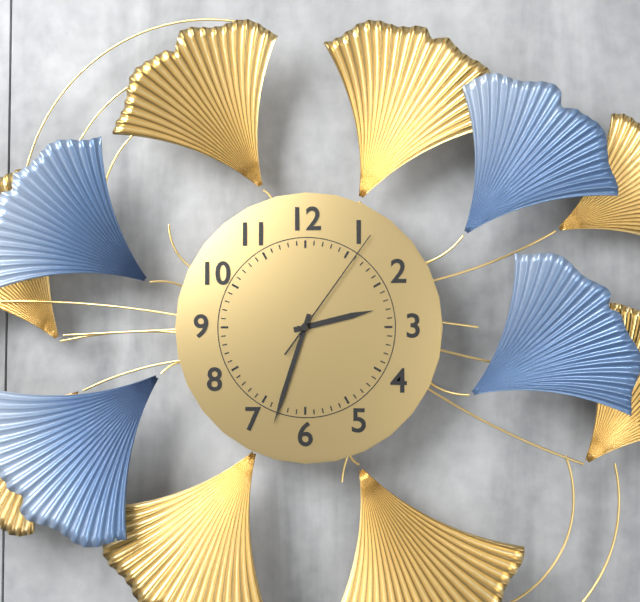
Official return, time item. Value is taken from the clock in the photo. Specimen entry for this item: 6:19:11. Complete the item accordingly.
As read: 2:33:06
